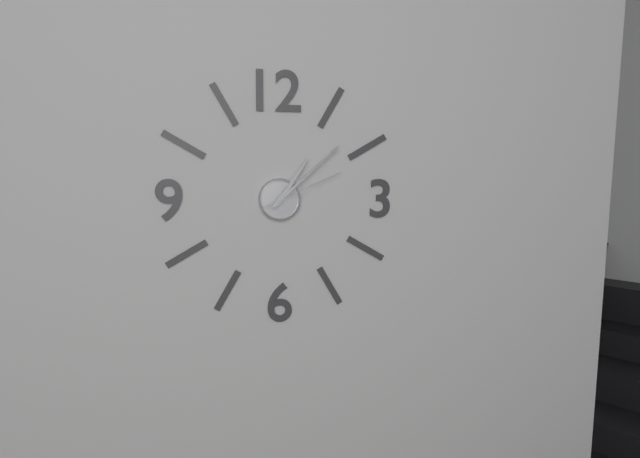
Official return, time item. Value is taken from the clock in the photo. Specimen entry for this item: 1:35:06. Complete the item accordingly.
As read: 1:08:11
